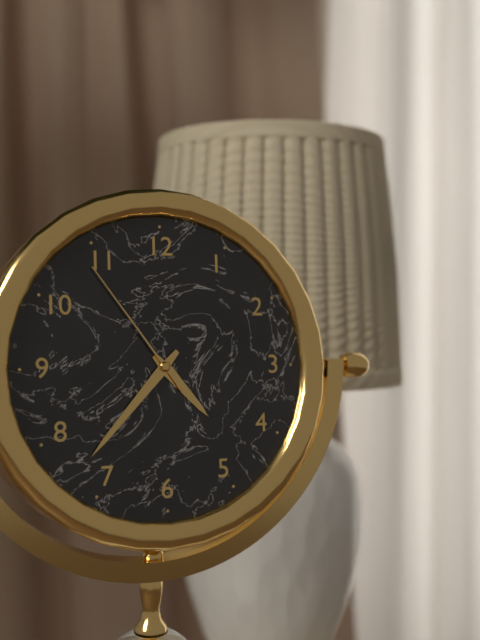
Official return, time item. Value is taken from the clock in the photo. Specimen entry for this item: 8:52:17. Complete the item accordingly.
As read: 4:37:54
